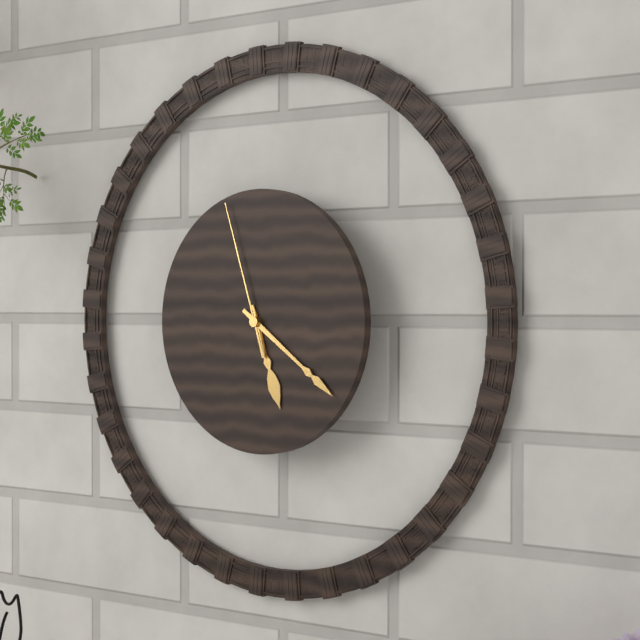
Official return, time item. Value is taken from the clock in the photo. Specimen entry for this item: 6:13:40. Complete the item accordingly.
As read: 5:21:57
